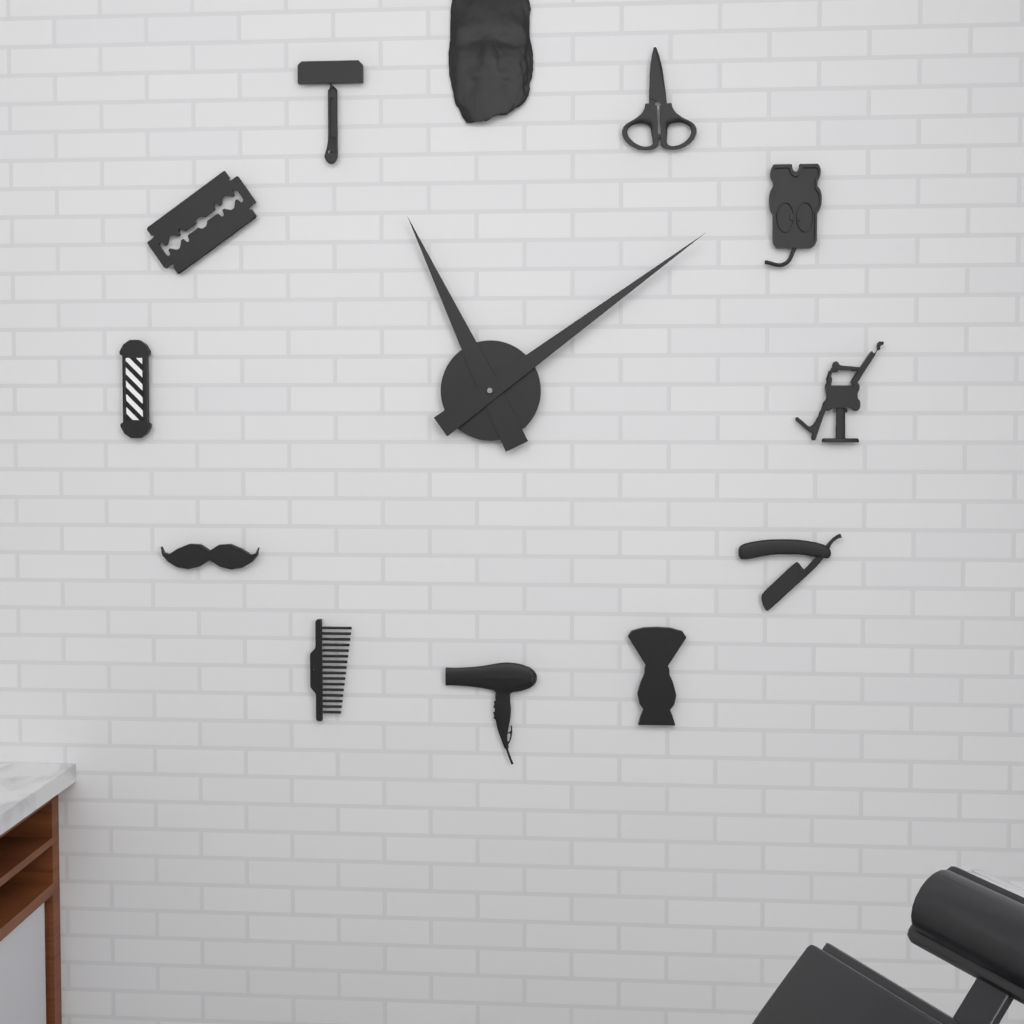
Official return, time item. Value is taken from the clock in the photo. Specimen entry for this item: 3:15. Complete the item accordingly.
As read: 11:09
